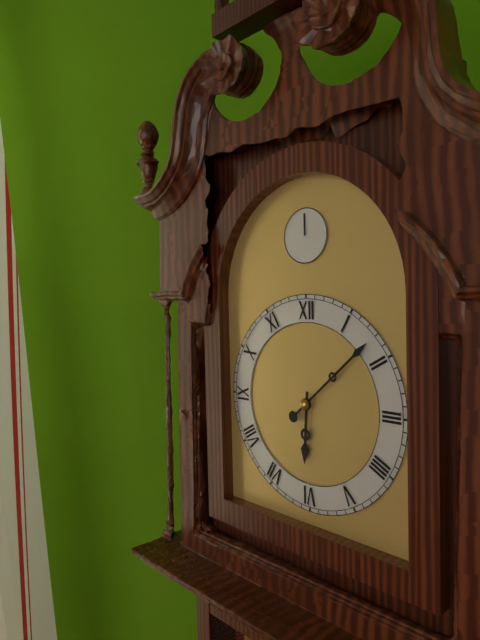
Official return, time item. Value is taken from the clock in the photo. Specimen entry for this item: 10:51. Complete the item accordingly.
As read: 6:08
